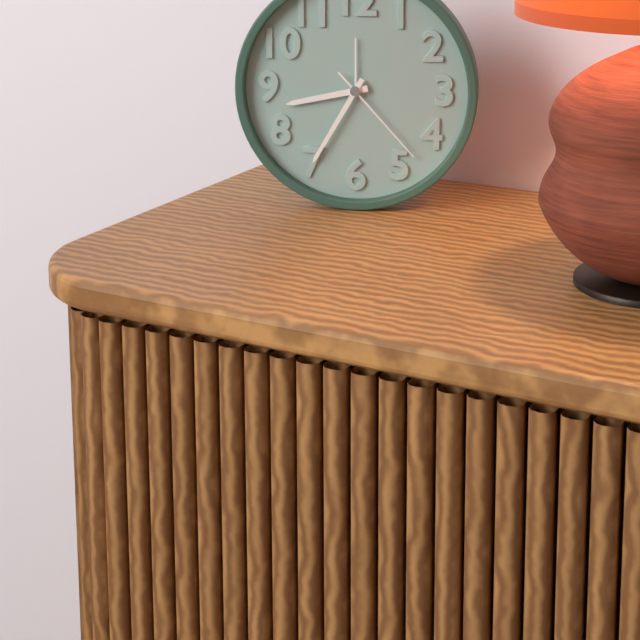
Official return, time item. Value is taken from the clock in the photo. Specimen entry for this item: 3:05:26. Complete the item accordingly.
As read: 8:35:23
